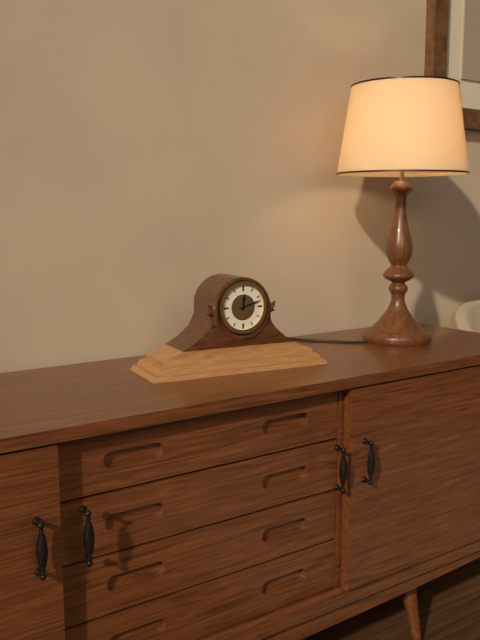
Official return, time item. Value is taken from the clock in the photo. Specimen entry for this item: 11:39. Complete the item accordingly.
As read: 12:12
